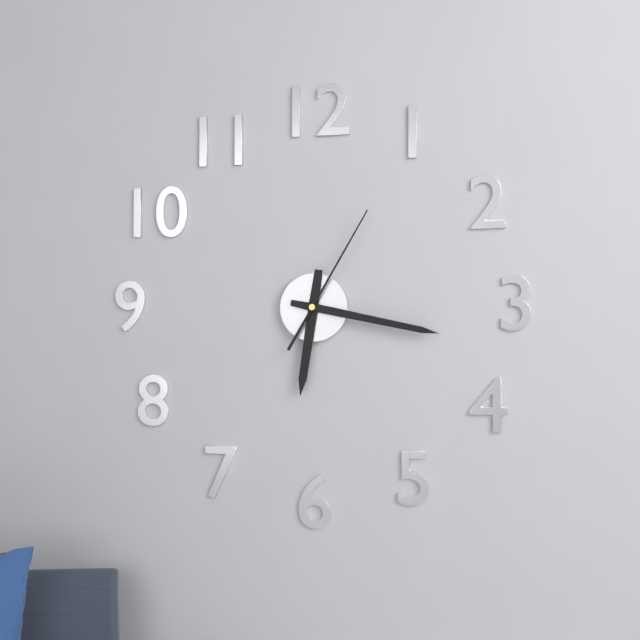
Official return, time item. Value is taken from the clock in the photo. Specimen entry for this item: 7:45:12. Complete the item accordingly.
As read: 6:17:05
